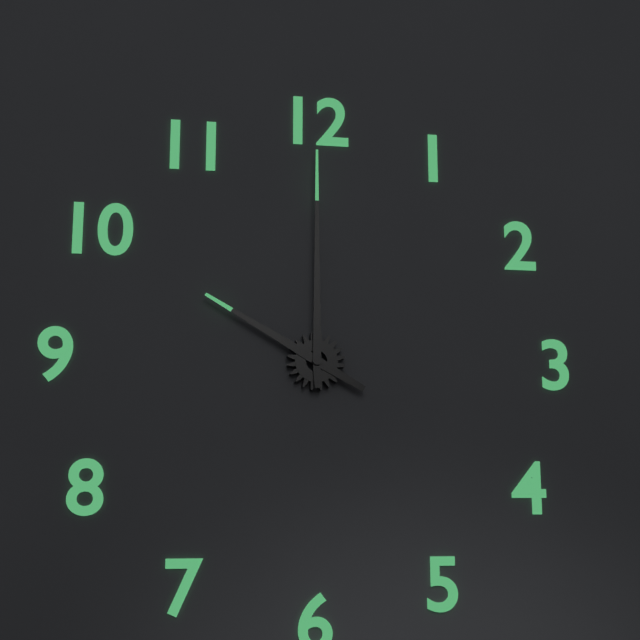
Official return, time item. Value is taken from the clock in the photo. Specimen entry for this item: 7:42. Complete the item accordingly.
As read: 10:00
